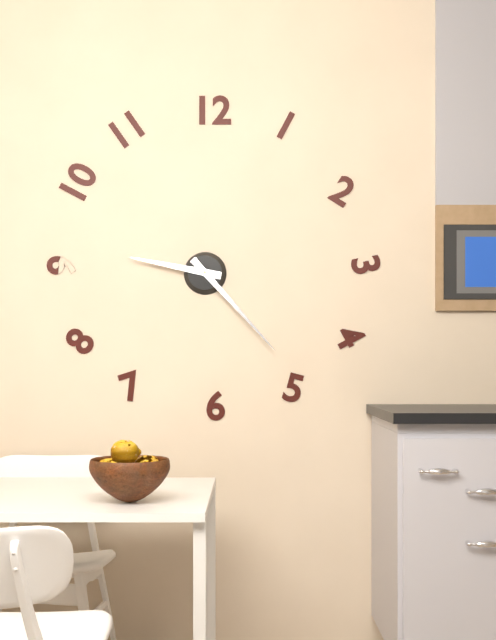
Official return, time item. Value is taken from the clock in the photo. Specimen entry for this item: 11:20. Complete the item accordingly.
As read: 9:23
